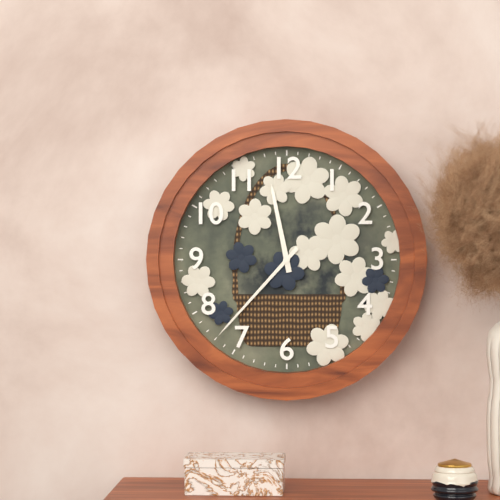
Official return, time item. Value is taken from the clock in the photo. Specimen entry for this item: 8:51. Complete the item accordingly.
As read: 11:37
